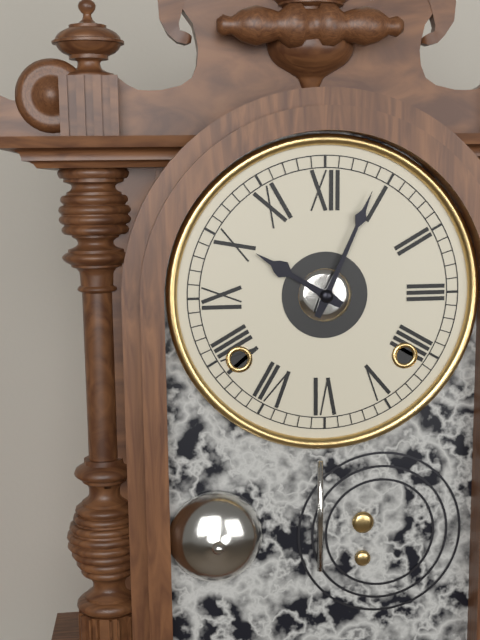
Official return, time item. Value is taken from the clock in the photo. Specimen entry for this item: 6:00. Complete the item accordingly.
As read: 10:04
